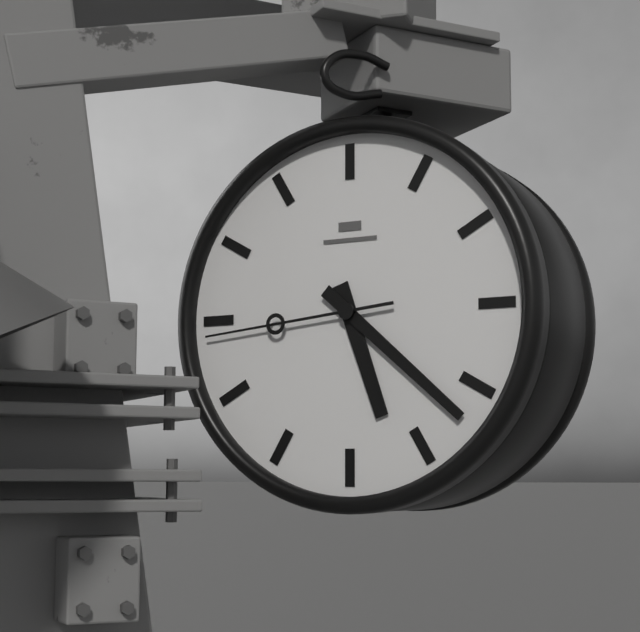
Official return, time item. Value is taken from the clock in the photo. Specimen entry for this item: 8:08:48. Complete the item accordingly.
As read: 5:22:44
